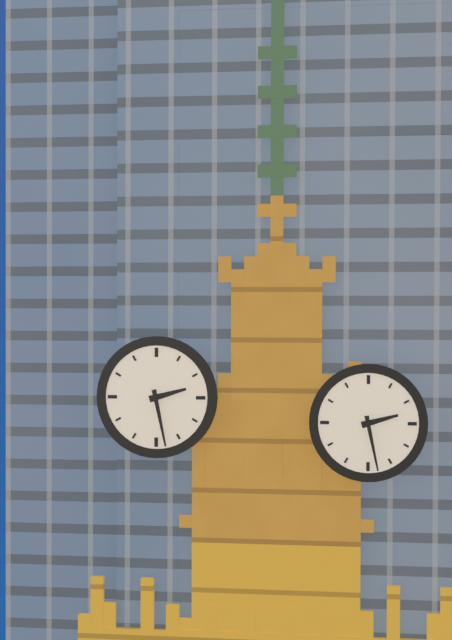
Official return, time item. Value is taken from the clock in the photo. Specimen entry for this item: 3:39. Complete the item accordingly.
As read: 2:28
